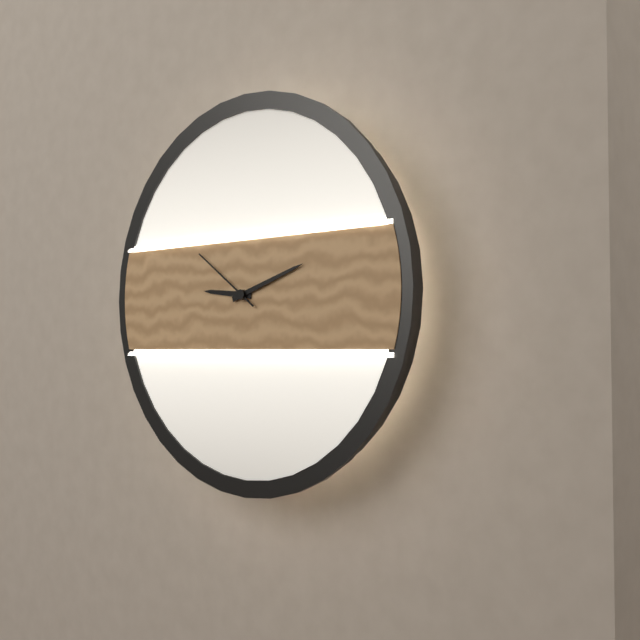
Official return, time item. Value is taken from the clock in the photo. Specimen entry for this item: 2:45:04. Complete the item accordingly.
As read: 9:12:51
